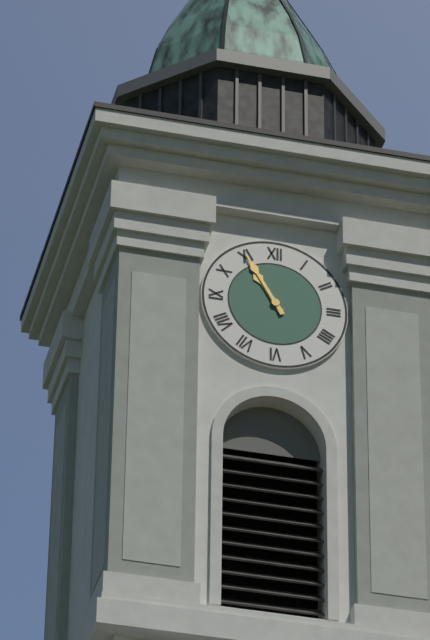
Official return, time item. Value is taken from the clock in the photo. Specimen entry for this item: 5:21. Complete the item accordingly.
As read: 10:55
